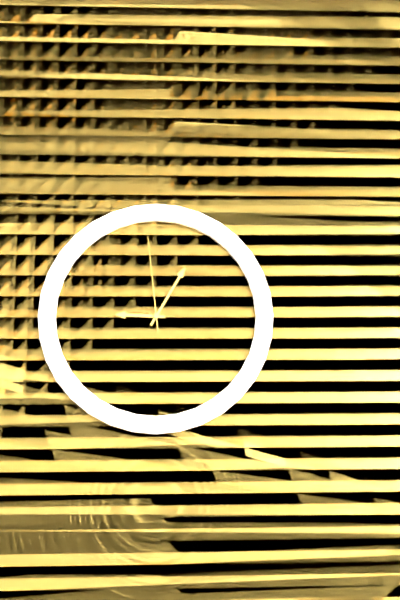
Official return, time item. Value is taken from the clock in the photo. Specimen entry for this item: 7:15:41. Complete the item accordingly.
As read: 9:05:59
